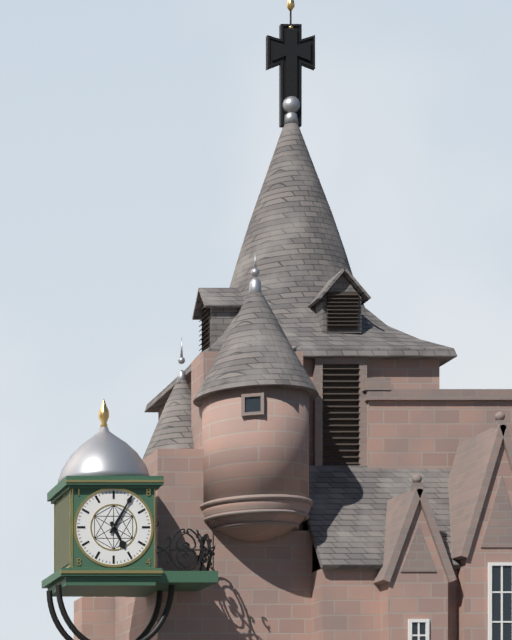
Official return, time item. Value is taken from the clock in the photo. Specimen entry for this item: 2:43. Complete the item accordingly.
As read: 5:05
